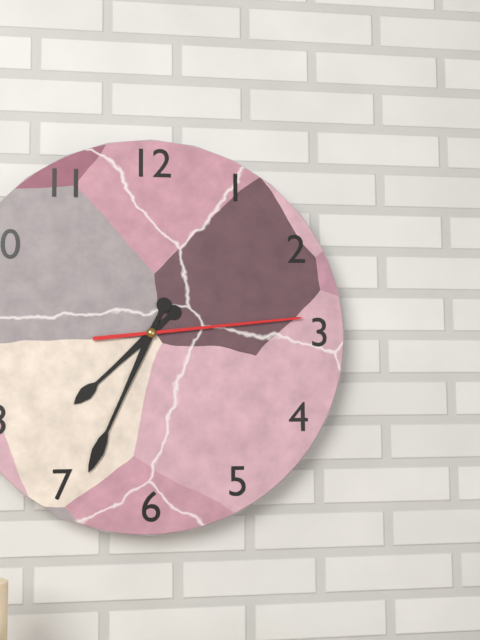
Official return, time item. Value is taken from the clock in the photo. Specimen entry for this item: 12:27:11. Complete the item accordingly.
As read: 7:34:14
